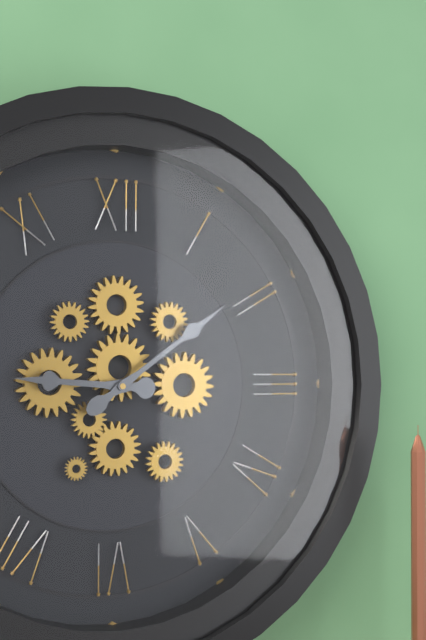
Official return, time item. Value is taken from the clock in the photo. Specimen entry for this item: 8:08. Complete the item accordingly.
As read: 9:09
